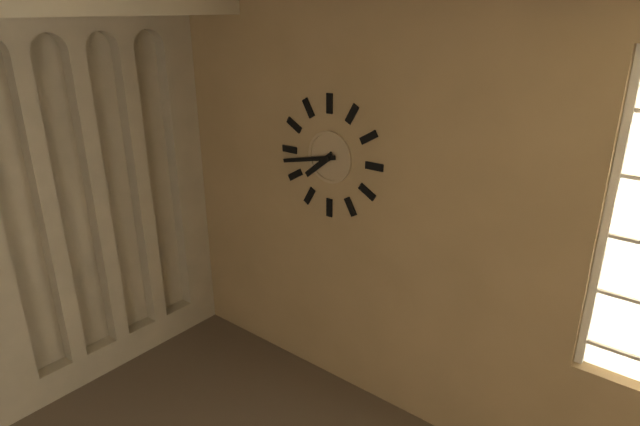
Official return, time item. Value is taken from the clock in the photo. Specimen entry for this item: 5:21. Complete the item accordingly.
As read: 7:43
